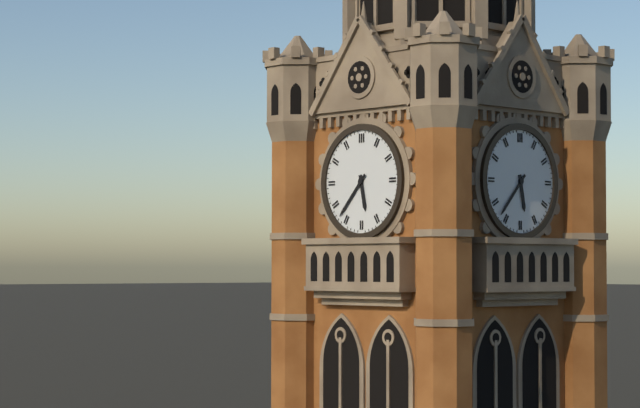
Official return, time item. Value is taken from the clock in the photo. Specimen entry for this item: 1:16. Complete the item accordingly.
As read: 5:37
